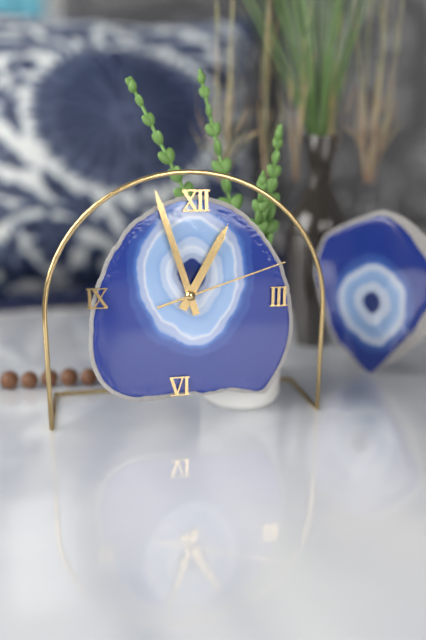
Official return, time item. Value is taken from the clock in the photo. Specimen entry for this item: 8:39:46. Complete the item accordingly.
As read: 12:57:12
